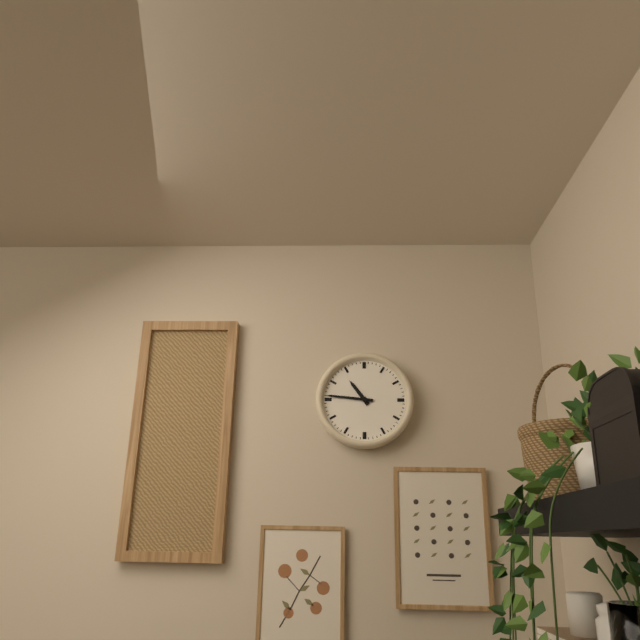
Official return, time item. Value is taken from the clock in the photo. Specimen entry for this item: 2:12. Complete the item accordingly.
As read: 10:46
